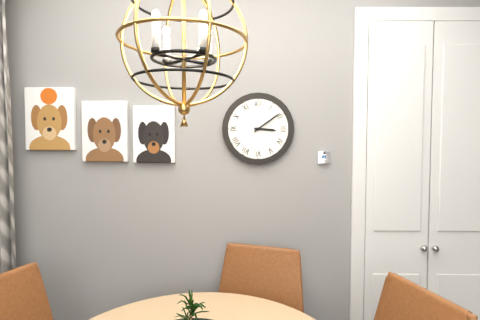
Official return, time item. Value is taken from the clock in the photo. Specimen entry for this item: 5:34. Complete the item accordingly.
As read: 3:09
